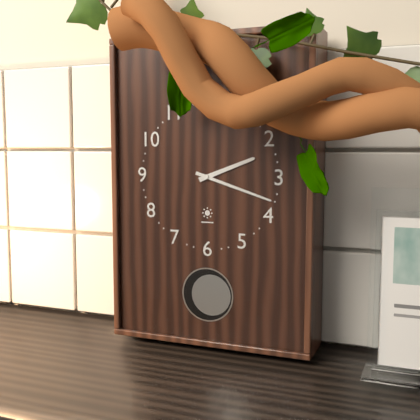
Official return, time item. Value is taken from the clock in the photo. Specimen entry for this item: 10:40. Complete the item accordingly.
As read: 2:18
